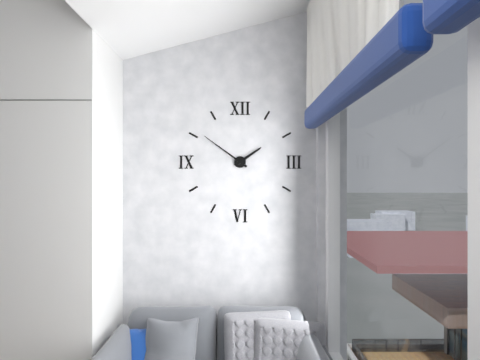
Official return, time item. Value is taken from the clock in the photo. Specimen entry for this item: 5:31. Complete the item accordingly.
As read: 1:51
